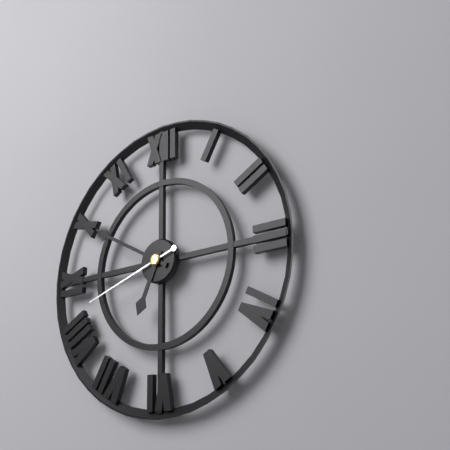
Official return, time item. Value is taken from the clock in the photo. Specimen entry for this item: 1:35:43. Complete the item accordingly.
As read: 6:50:42
